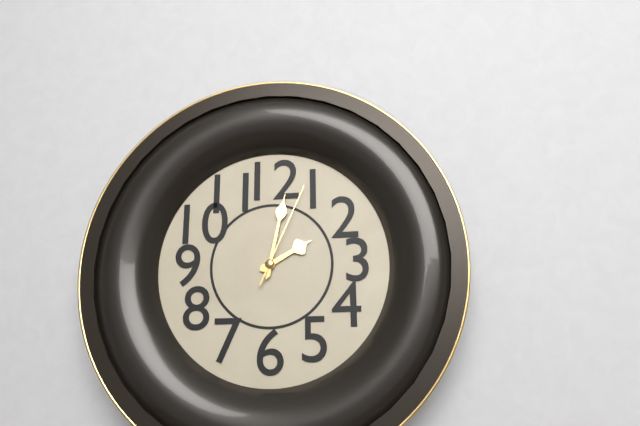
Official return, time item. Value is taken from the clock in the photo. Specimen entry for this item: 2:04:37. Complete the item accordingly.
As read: 2:02:04
